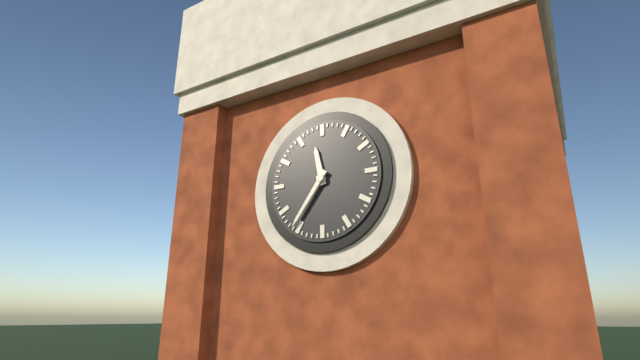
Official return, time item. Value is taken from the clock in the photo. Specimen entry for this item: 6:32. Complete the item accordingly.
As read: 11:36
